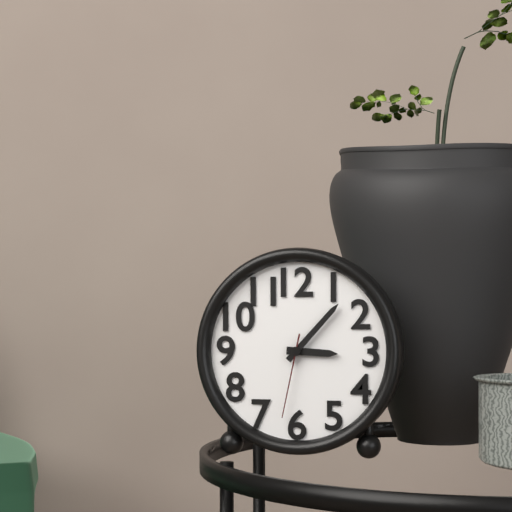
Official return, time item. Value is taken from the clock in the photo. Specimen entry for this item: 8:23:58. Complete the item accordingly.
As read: 3:07:32
